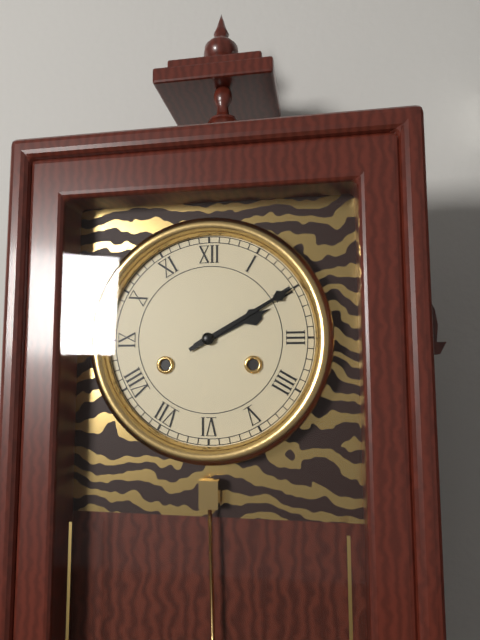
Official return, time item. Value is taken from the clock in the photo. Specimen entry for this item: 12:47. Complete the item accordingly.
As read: 2:10
